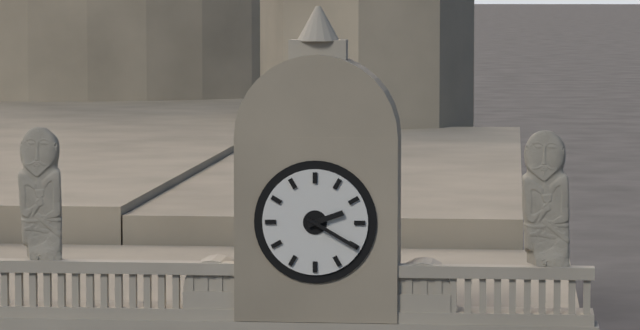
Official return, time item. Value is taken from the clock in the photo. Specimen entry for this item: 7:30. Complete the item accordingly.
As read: 2:20
